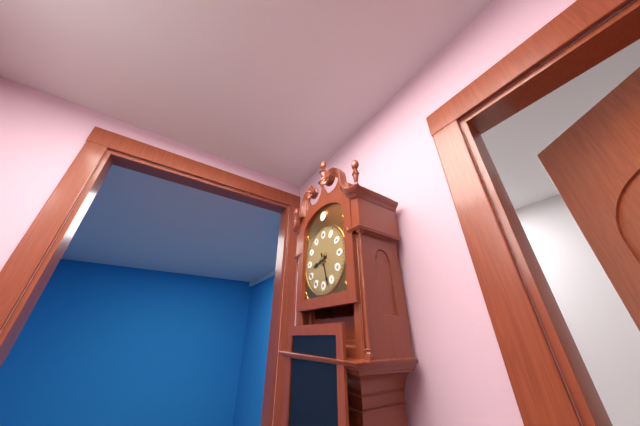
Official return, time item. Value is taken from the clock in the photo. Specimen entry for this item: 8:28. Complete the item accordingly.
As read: 8:27
